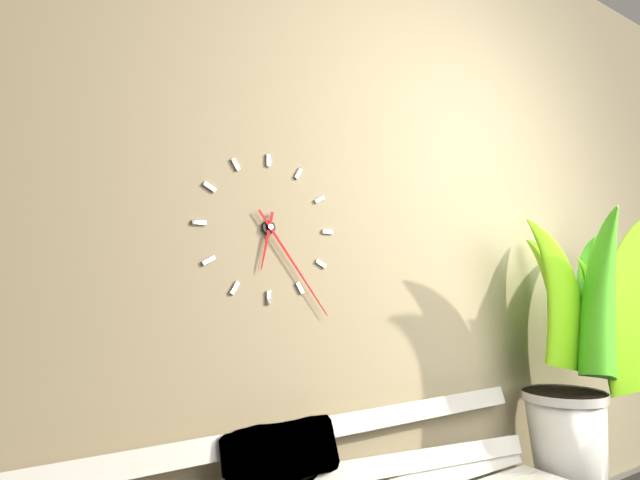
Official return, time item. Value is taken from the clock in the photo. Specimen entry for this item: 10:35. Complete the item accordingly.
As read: 6:24
